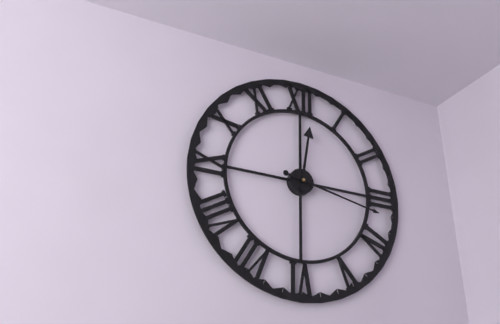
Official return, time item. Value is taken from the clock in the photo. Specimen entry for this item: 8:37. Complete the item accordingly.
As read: 12:17
